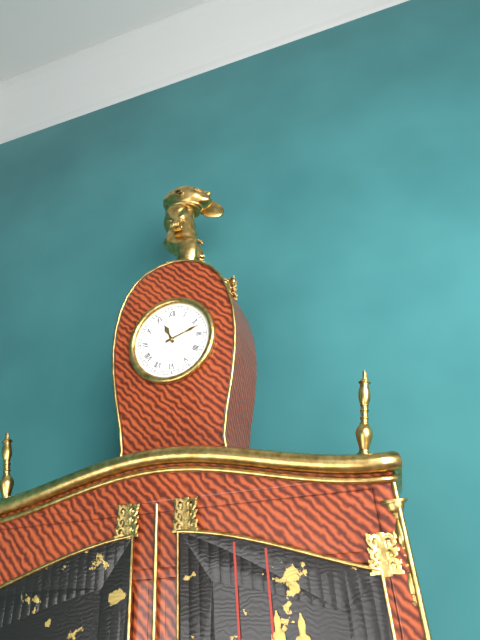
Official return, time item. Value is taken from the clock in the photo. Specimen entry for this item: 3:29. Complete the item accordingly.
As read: 11:12
